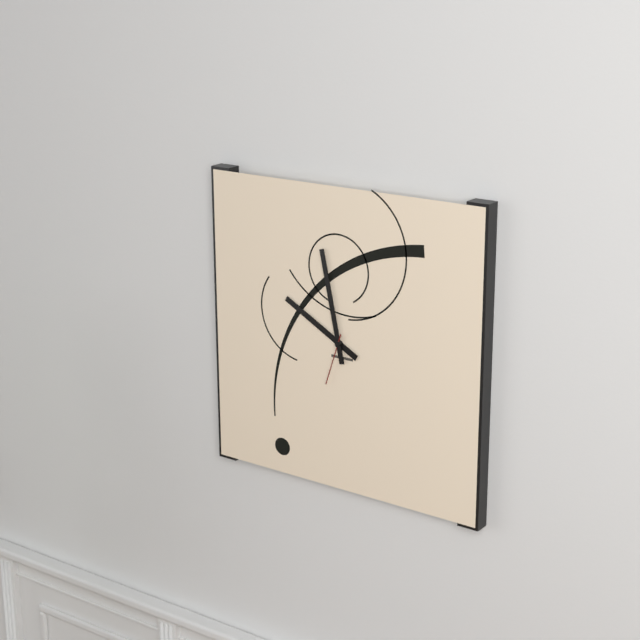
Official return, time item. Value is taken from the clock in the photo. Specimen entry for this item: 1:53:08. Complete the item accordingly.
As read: 9:58:33
